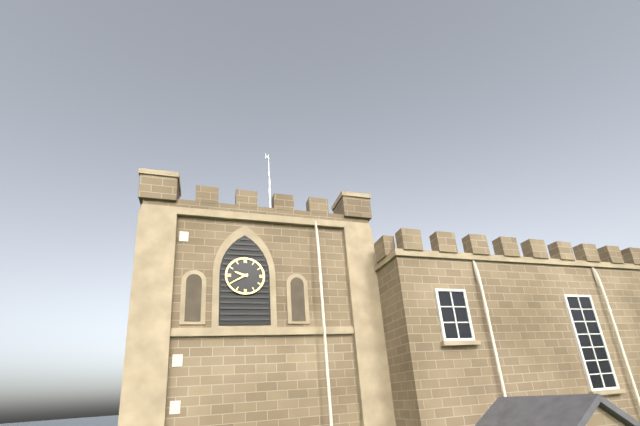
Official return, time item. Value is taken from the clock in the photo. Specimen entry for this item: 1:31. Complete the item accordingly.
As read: 9:40
